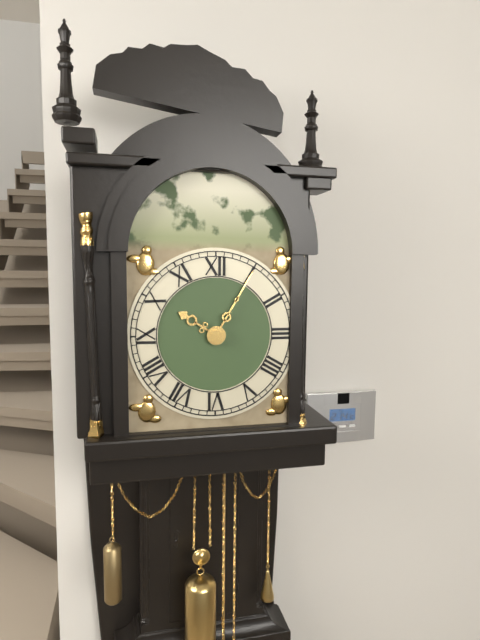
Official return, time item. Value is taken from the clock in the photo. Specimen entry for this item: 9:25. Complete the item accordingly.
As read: 10:05
